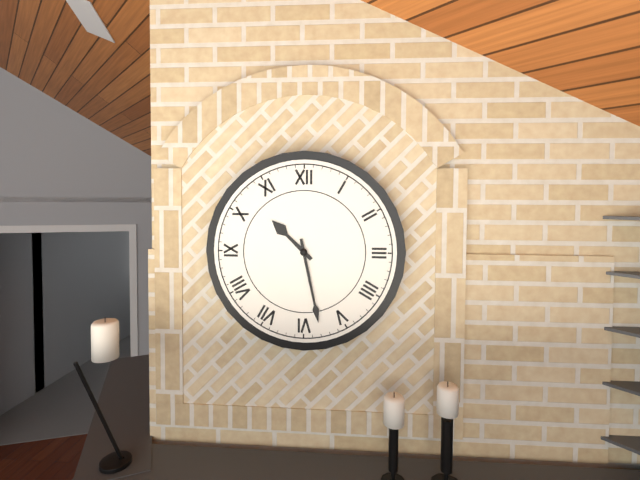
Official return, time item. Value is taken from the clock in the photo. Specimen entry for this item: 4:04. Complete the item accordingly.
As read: 10:28
